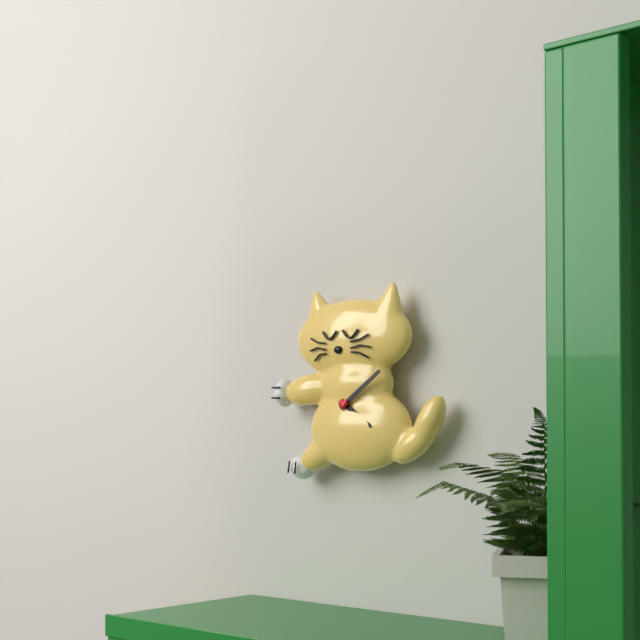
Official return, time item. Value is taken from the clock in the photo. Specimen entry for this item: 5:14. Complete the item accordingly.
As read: 4:09
